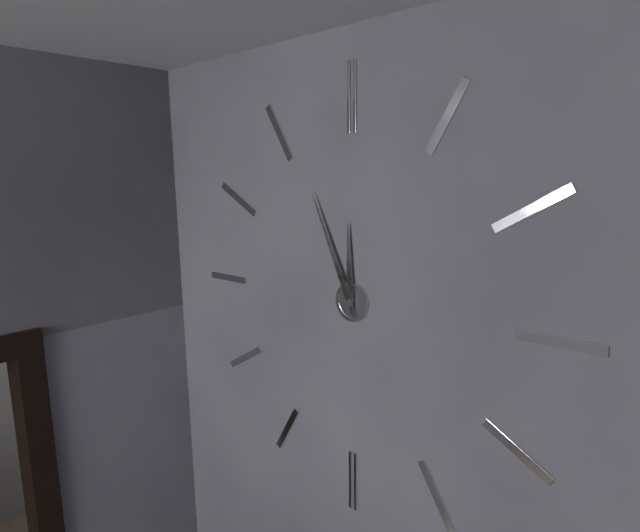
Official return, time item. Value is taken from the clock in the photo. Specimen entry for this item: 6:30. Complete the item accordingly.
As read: 11:56
